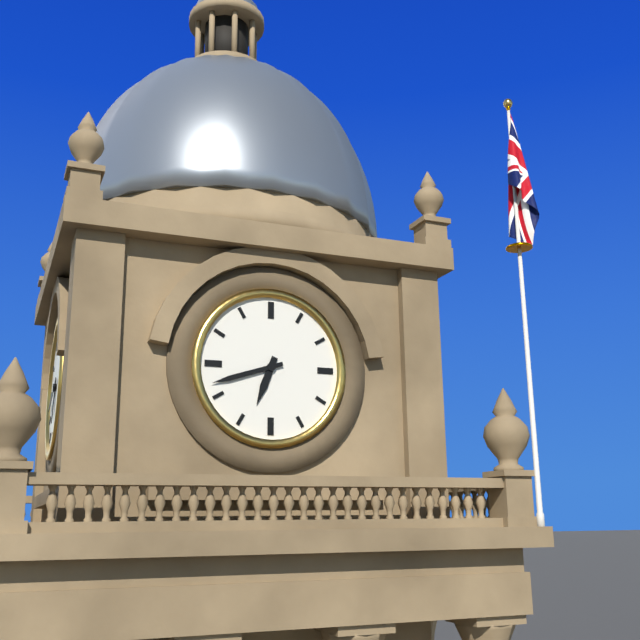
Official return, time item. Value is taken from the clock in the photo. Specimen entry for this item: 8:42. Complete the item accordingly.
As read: 6:42
